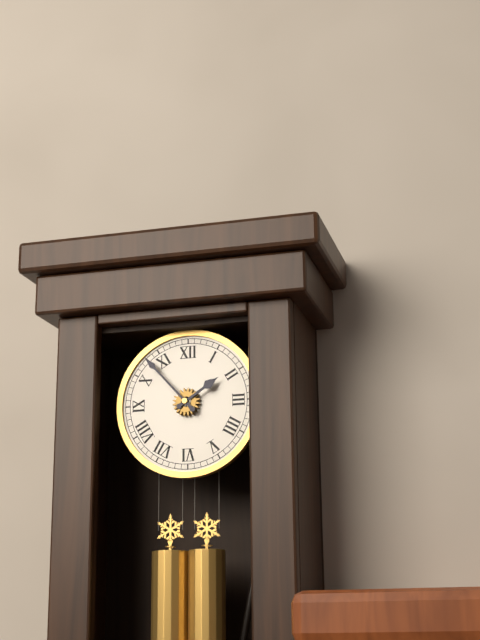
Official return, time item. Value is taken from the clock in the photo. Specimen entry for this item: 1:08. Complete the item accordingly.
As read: 1:53
